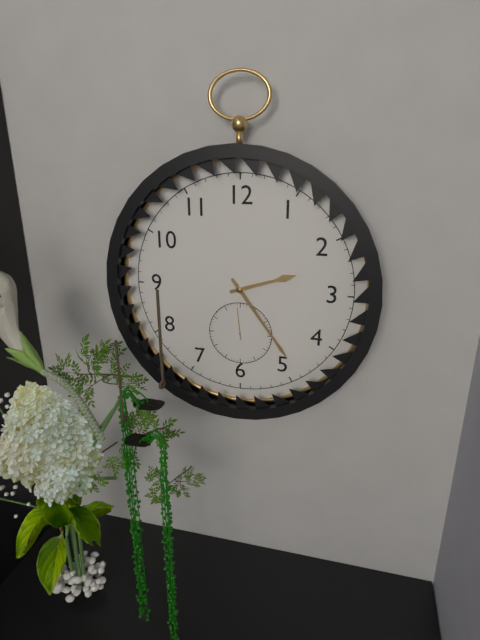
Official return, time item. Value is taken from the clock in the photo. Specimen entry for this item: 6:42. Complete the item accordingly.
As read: 2:24
